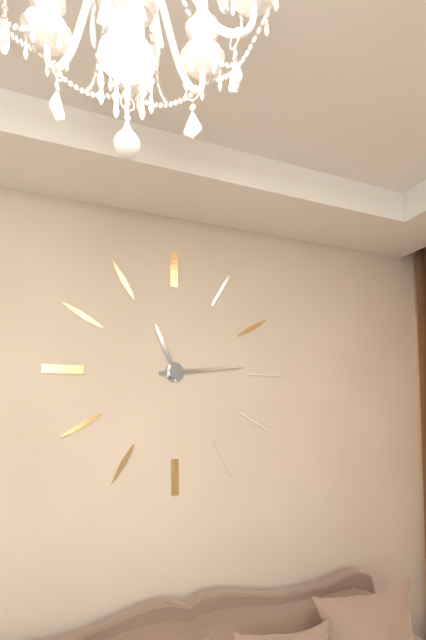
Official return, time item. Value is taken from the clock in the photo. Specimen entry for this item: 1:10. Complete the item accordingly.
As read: 11:14
